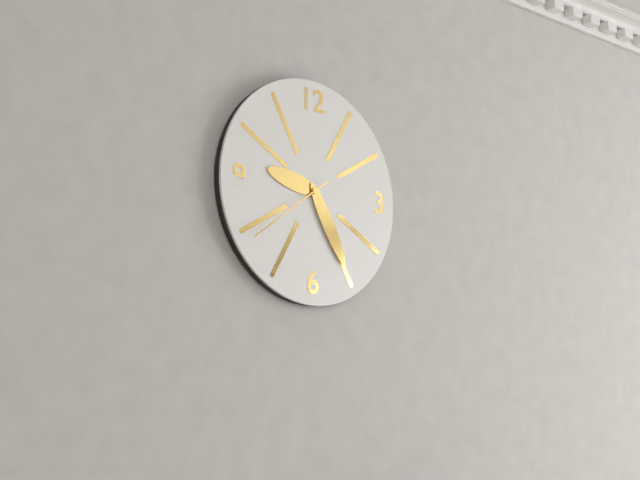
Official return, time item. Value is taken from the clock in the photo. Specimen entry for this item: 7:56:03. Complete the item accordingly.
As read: 9:25:39
